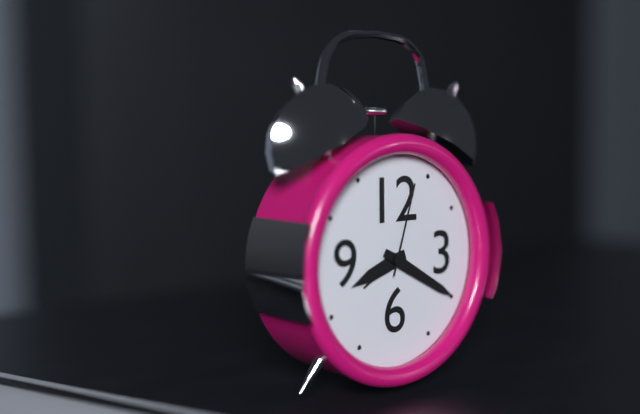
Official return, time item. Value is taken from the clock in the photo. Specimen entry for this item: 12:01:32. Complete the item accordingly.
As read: 8:20:03
